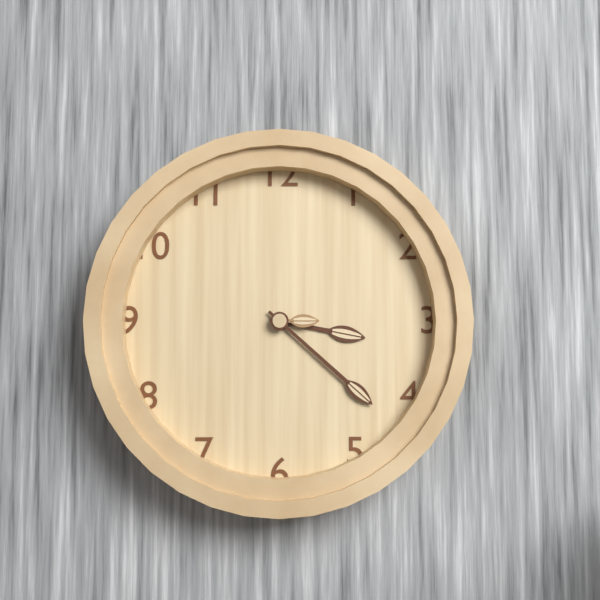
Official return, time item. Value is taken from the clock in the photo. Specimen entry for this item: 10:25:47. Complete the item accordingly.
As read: 3:22:15
